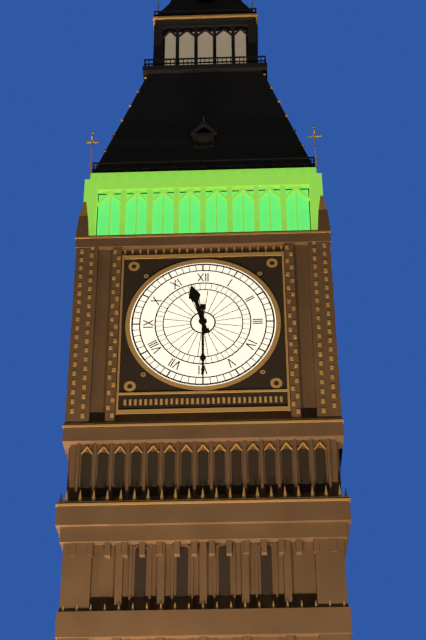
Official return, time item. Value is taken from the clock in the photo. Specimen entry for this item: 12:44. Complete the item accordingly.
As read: 11:30
